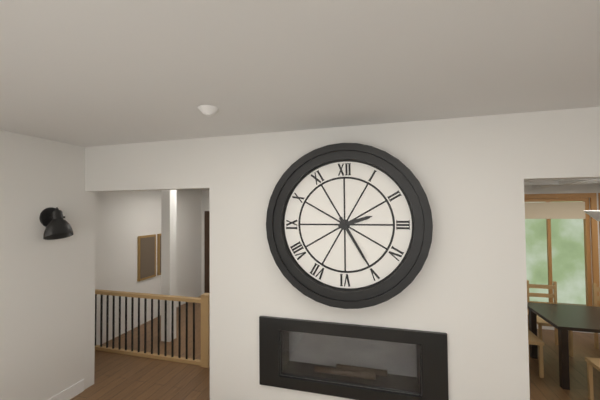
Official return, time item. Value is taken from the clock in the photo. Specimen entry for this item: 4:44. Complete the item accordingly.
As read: 2:25
